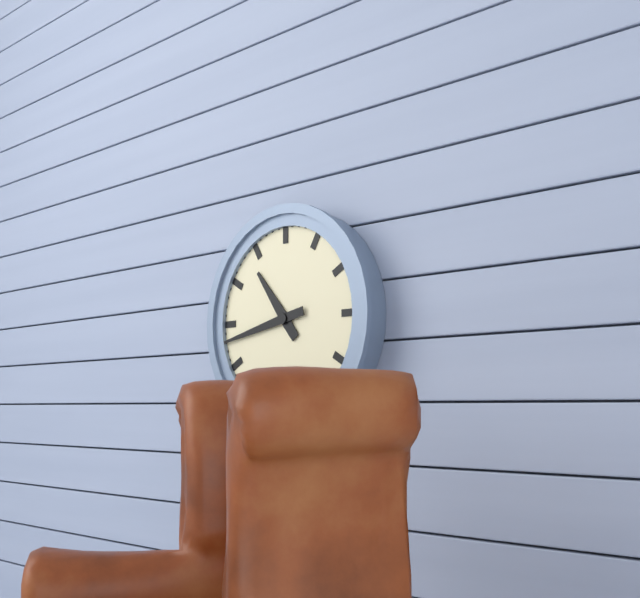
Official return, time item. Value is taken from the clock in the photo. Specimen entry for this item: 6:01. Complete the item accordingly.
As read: 10:43
